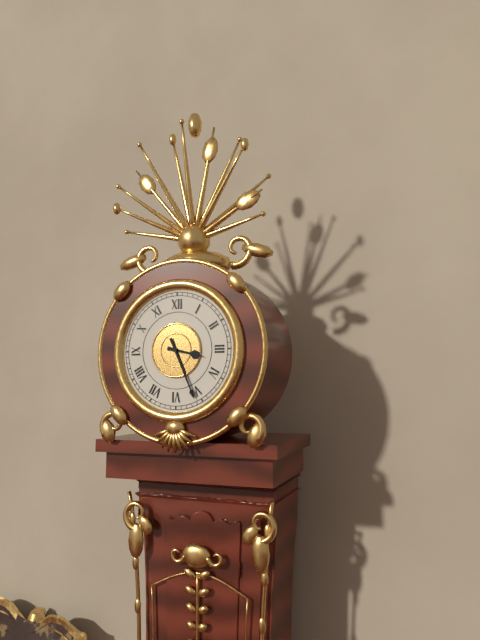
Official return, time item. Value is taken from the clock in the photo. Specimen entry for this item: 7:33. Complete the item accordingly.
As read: 3:26
